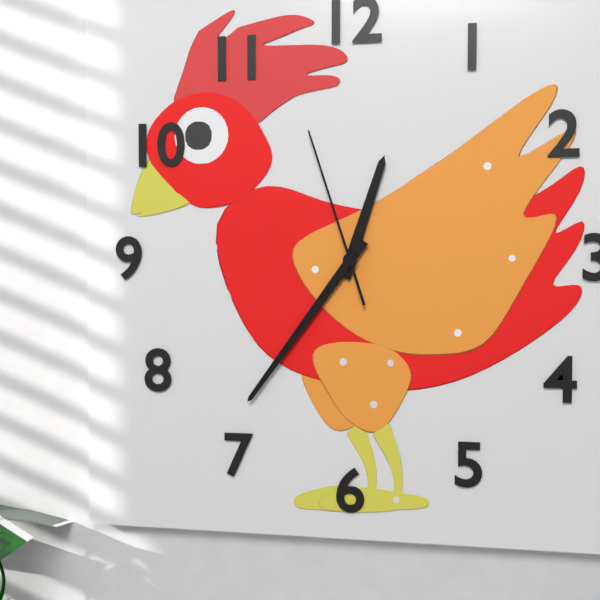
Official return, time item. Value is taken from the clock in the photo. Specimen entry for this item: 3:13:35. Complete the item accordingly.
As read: 12:36:57
